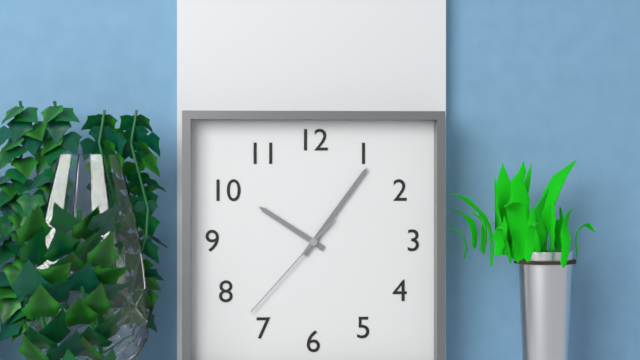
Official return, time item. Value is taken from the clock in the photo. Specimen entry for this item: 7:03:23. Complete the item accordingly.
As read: 10:06:37
